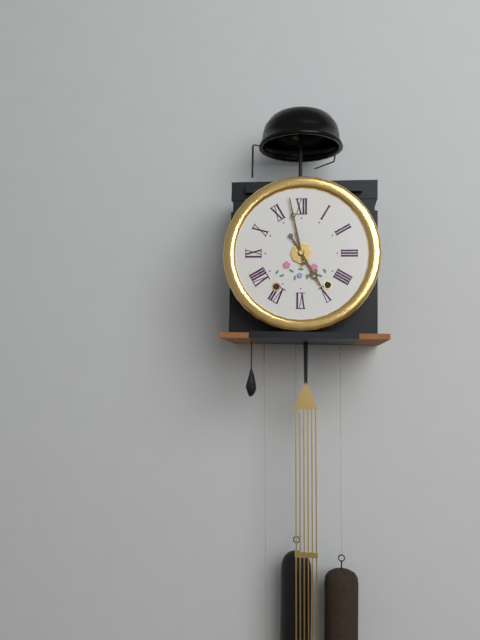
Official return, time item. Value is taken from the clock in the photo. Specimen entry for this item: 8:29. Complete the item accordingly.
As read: 4:58
